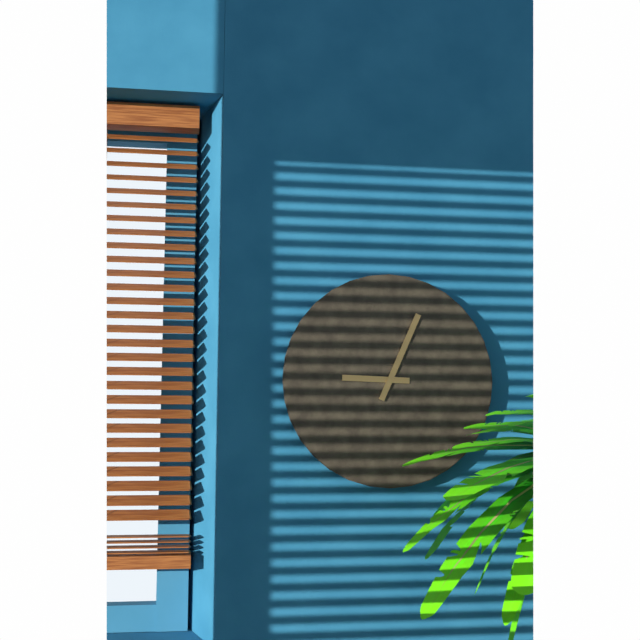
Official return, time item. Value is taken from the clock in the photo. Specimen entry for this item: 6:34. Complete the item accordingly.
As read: 9:04
